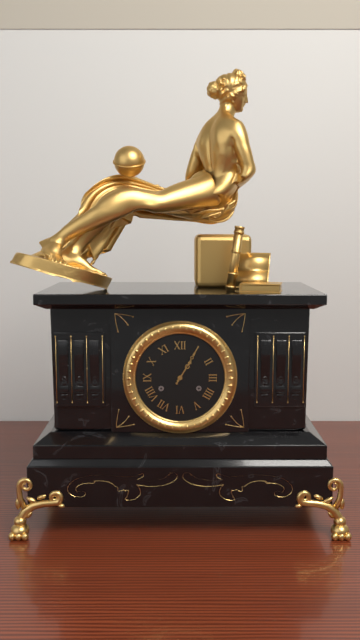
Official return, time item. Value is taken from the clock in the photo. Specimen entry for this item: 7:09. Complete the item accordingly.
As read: 1:05
